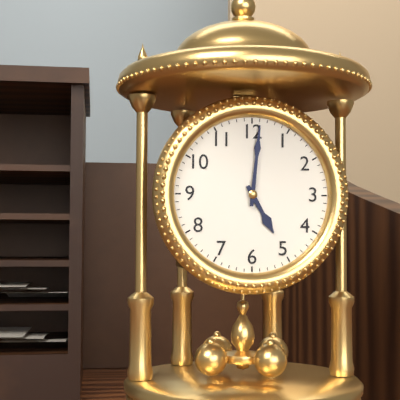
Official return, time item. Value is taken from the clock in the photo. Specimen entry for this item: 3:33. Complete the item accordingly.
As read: 5:01
